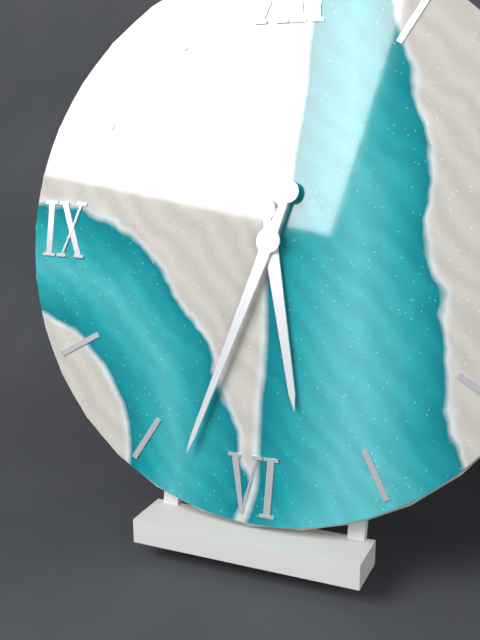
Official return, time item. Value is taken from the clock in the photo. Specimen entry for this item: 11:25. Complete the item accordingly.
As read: 5:33
